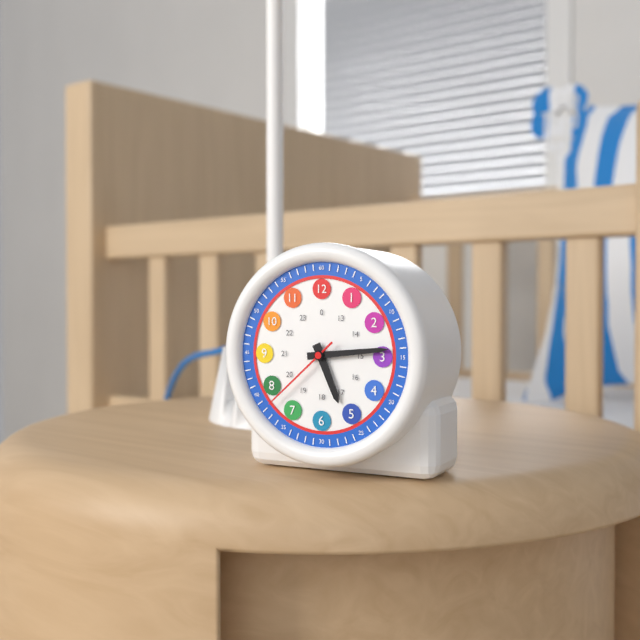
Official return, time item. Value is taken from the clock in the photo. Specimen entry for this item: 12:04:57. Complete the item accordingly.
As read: 5:14:38
